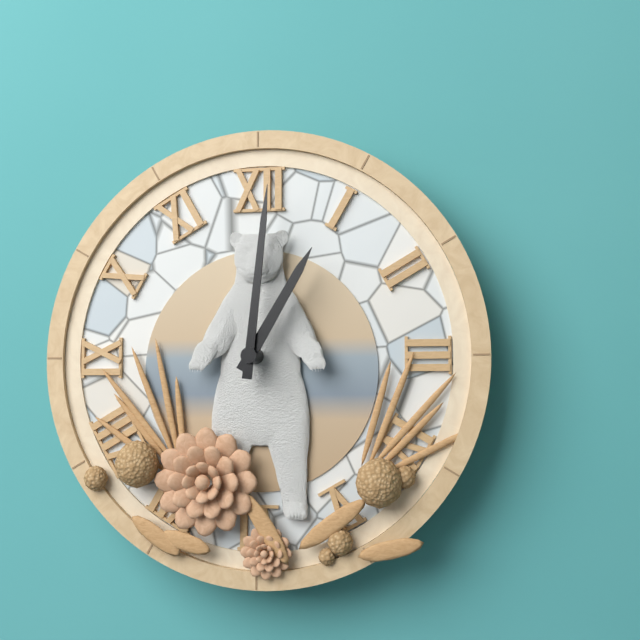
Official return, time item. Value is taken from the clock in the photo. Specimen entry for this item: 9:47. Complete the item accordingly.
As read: 1:01
